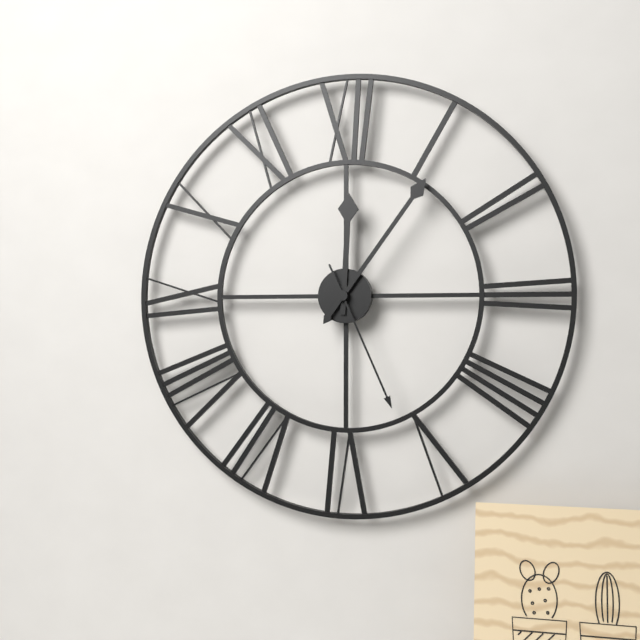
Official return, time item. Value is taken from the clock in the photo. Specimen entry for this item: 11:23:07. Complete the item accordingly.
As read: 12:06:26
